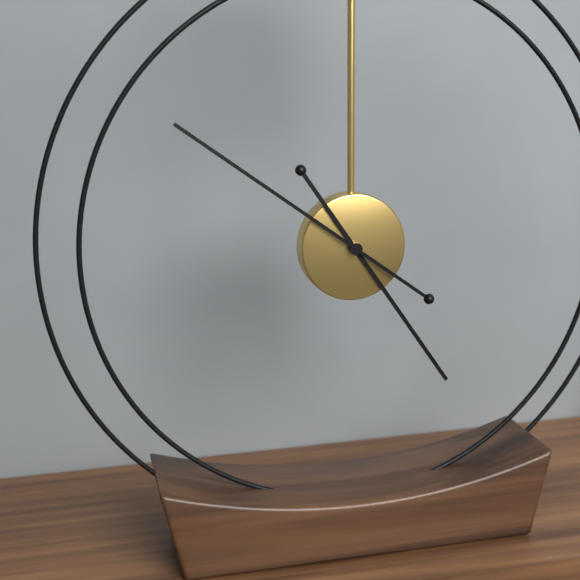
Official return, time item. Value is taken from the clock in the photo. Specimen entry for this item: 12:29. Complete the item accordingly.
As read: 4:51
